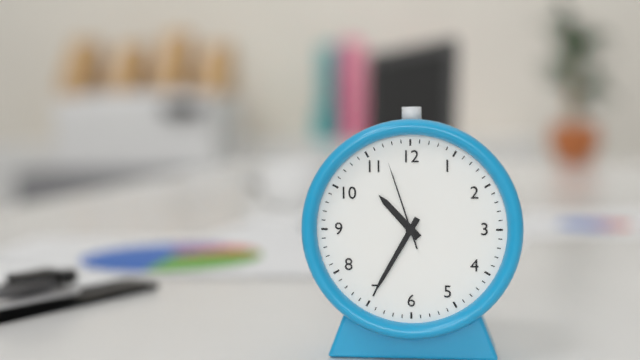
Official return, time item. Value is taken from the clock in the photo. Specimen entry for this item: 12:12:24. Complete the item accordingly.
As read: 10:35:57
